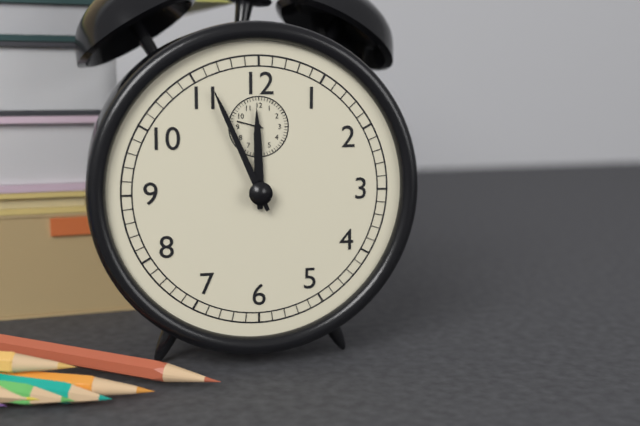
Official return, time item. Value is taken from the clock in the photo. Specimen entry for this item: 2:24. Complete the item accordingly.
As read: 11:56
